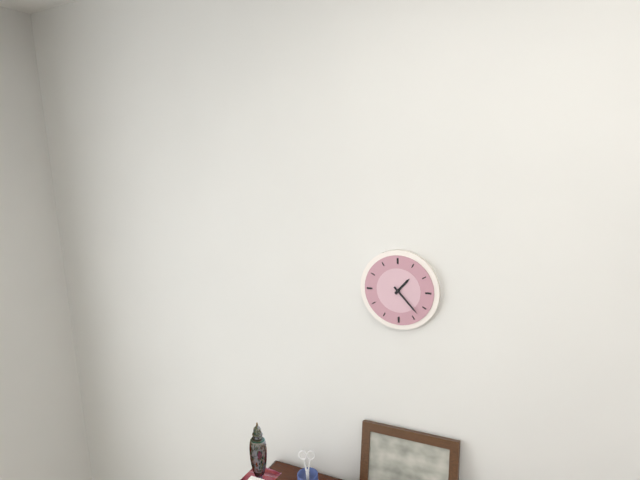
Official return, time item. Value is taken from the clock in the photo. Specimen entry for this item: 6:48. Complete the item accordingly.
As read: 1:23
